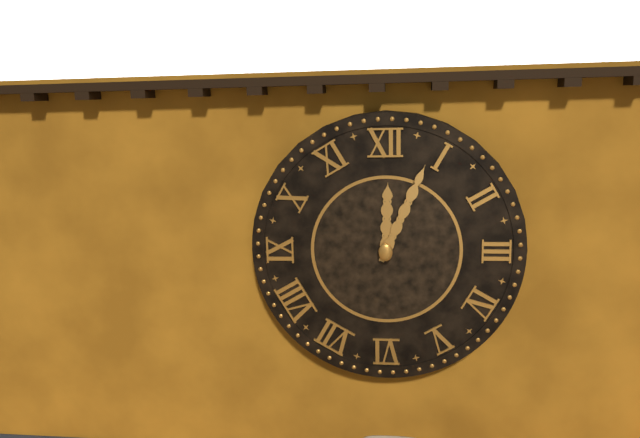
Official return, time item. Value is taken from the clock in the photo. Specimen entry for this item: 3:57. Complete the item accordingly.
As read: 12:04
